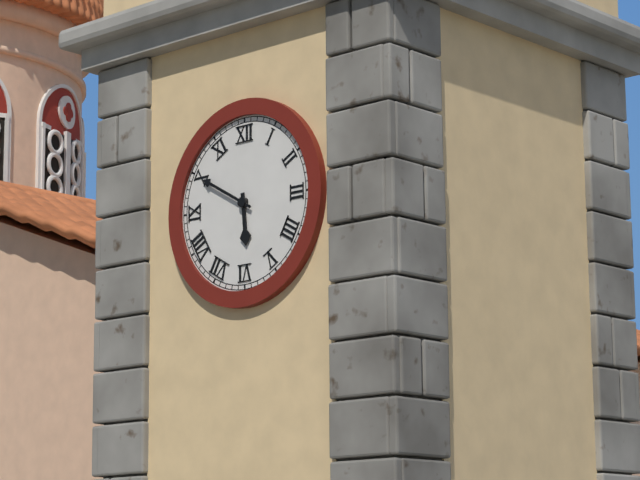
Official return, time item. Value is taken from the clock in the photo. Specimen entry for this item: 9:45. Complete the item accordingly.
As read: 5:50
